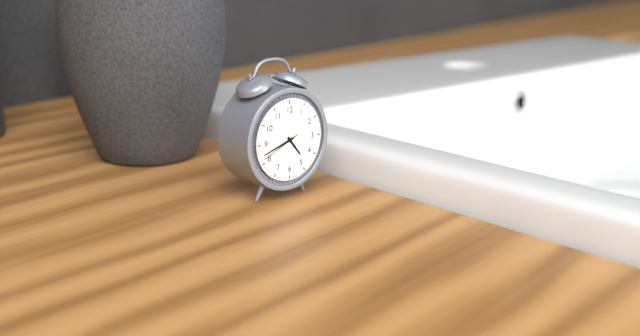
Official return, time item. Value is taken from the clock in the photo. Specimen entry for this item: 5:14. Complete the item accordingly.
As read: 4:42
